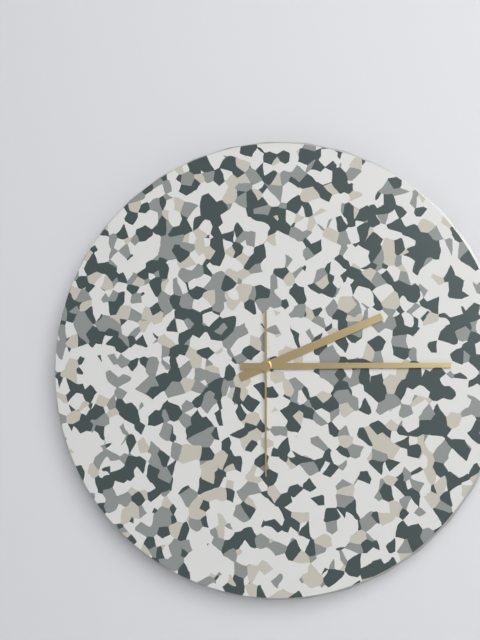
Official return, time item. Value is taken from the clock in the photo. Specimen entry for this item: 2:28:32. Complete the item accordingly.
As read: 2:15:30
